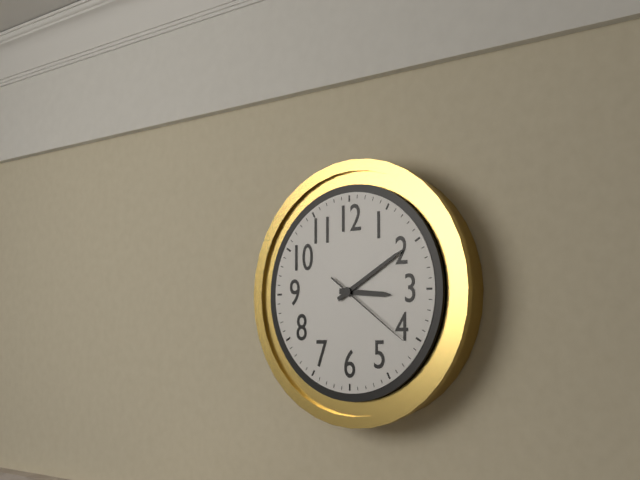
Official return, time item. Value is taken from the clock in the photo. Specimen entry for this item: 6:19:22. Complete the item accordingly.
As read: 3:10:21
